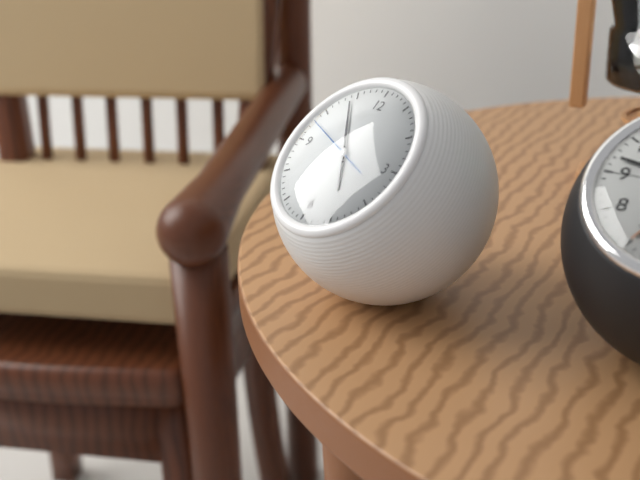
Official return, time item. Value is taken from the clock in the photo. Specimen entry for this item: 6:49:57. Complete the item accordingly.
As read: 4:54:48
